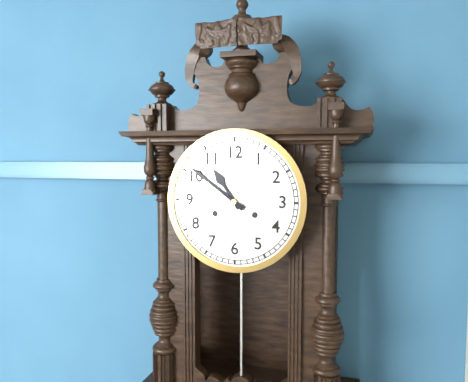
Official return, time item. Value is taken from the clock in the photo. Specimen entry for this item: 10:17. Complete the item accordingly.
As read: 10:51
